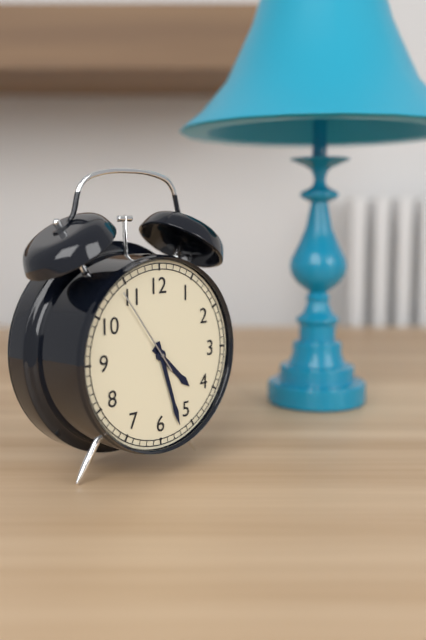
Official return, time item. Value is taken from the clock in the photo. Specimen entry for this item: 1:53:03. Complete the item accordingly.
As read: 4:27:54
